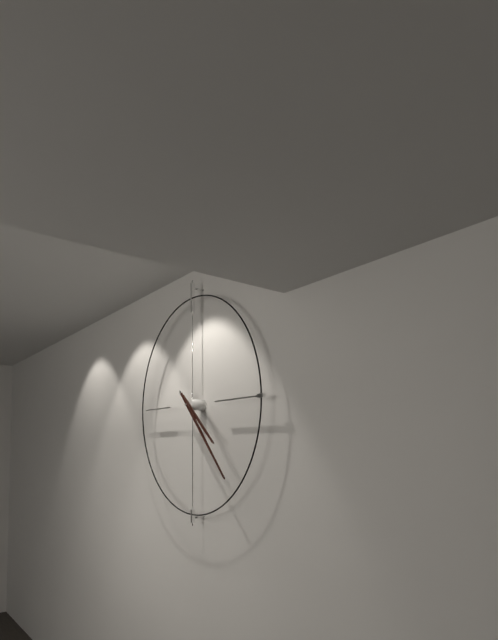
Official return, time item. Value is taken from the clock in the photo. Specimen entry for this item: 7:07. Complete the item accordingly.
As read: 4:23
